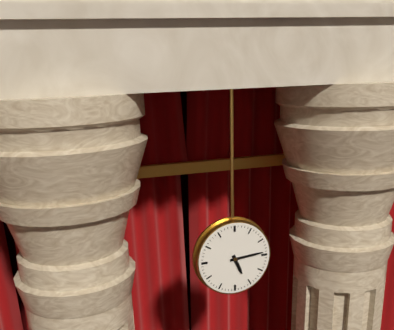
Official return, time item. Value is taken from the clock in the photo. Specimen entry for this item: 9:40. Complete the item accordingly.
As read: 5:14
